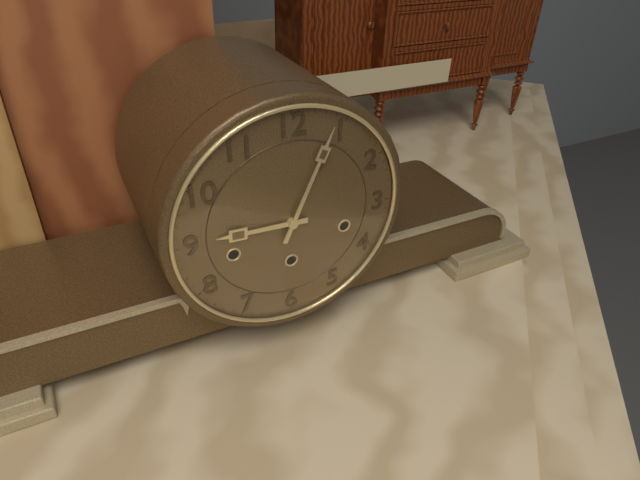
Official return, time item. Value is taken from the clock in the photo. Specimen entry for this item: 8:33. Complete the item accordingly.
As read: 9:04
